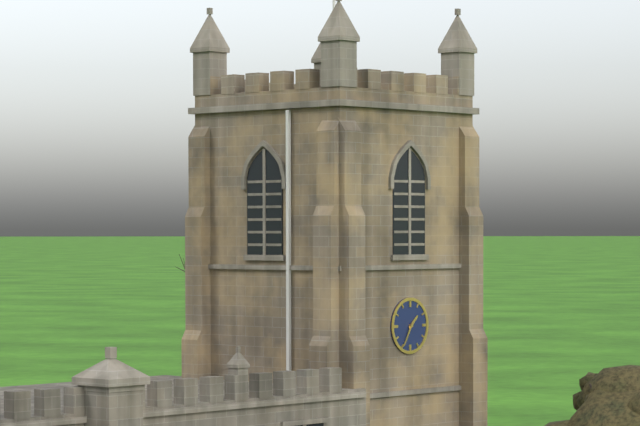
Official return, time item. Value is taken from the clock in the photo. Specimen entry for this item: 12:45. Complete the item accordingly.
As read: 1:35
